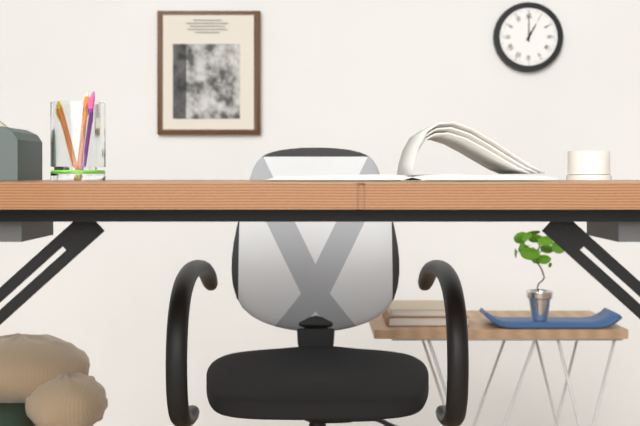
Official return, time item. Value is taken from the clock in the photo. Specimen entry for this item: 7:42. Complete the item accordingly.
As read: 1:00
